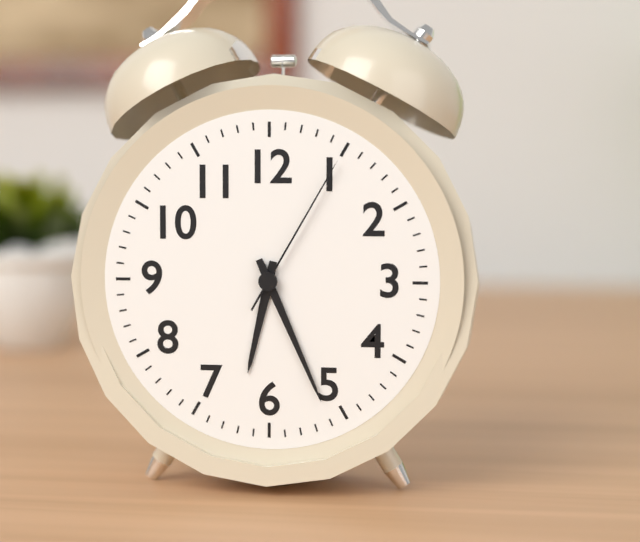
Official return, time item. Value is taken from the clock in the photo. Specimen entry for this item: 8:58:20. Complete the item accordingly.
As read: 6:26:05
